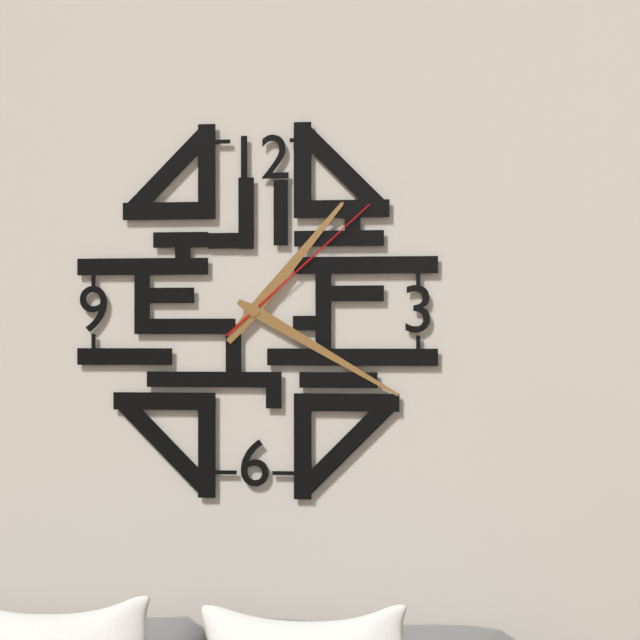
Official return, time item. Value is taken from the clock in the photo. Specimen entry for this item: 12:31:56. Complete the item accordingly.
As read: 1:20:08
